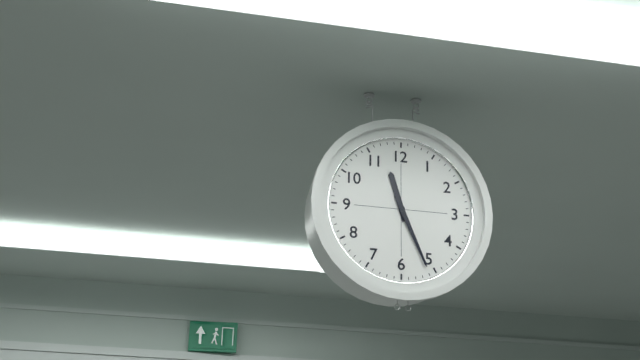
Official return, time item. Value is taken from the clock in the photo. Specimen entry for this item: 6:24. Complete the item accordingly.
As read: 11:26
